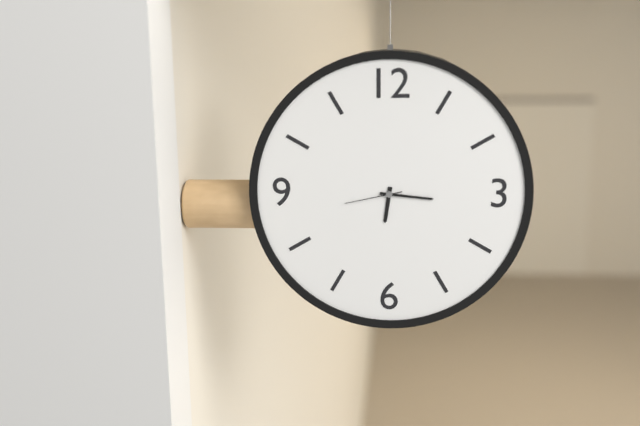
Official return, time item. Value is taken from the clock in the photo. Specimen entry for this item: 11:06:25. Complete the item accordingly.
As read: 6:16:43
